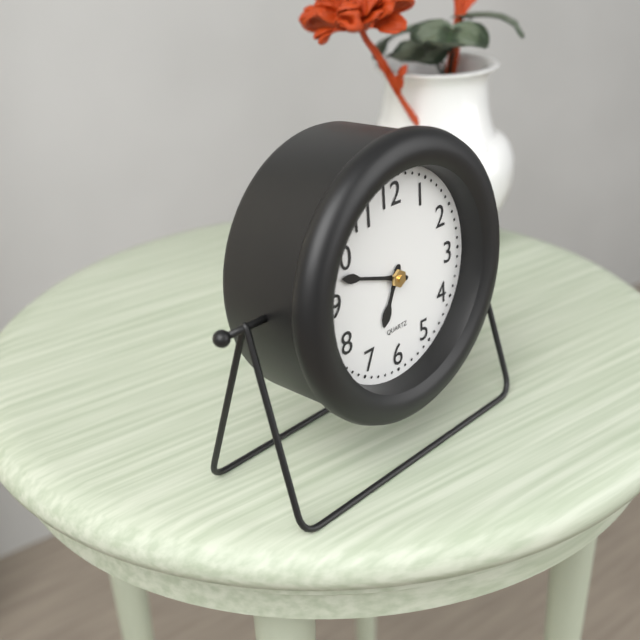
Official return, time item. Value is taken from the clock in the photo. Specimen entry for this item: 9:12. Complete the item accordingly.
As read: 6:48
